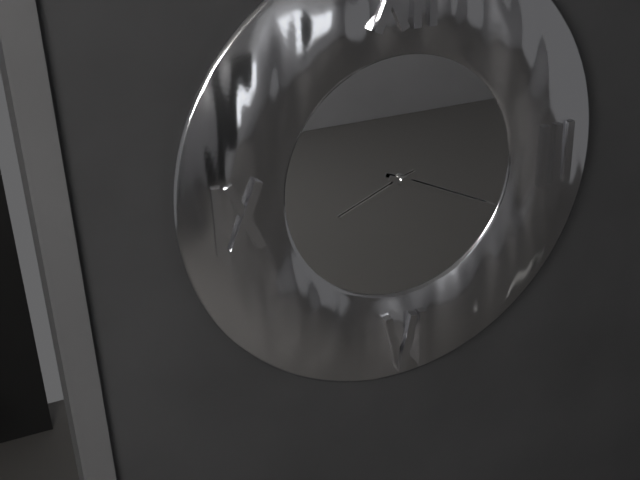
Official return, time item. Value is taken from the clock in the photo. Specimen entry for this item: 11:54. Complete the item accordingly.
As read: 8:19
